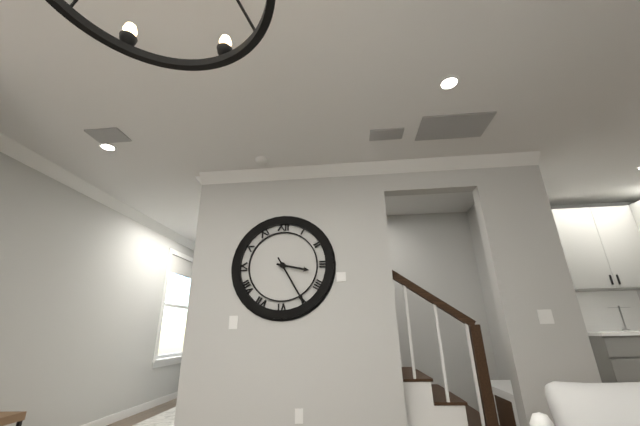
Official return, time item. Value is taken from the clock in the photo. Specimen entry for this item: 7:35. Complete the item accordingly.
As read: 3:25
